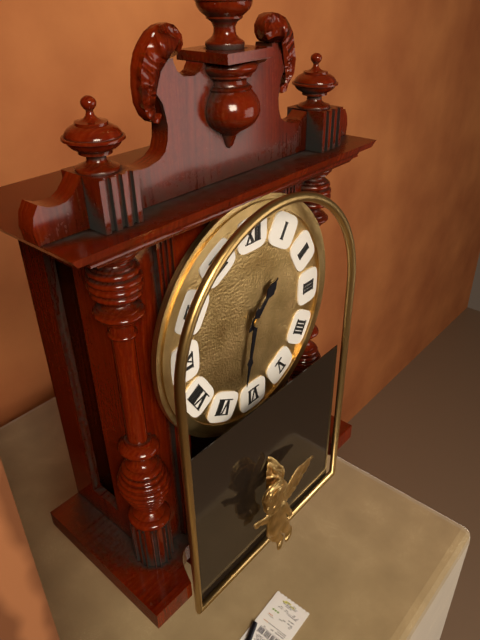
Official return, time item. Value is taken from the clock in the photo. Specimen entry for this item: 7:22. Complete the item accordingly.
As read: 1:32
